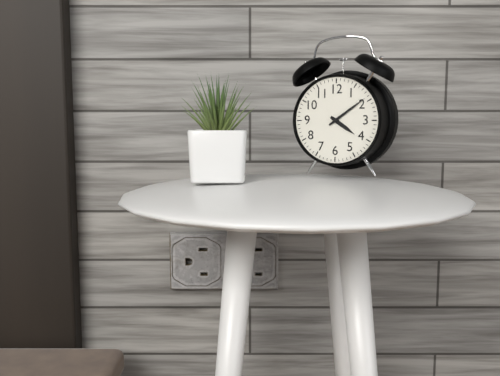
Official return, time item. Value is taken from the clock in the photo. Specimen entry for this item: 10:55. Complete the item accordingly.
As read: 4:09
